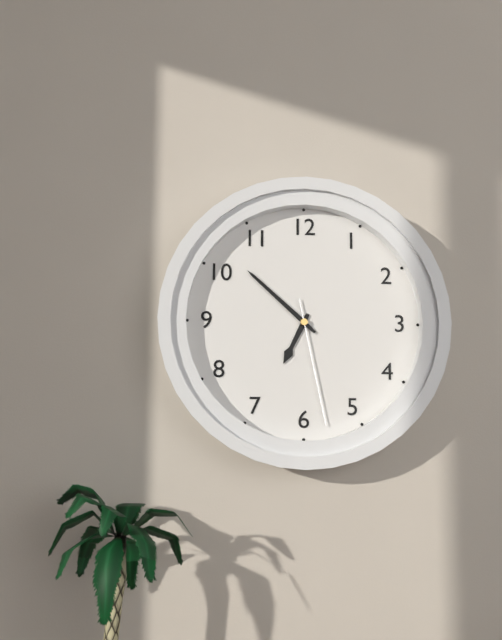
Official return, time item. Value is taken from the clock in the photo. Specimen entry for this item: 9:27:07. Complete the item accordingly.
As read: 6:52:28
